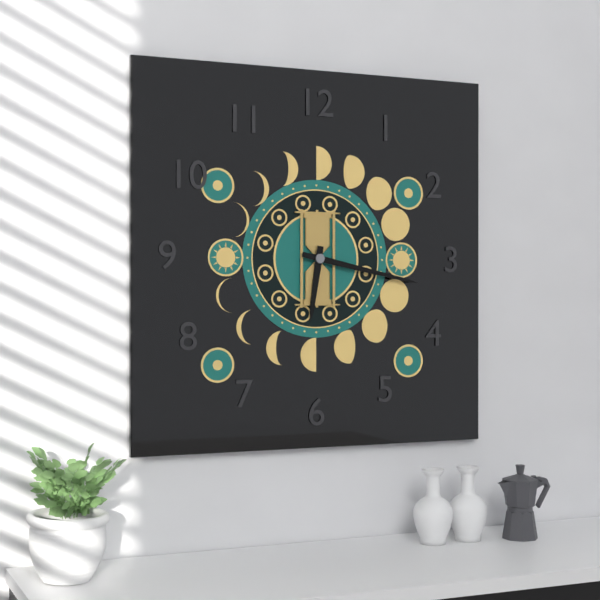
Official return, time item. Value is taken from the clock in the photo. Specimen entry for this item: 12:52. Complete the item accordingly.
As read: 6:17
